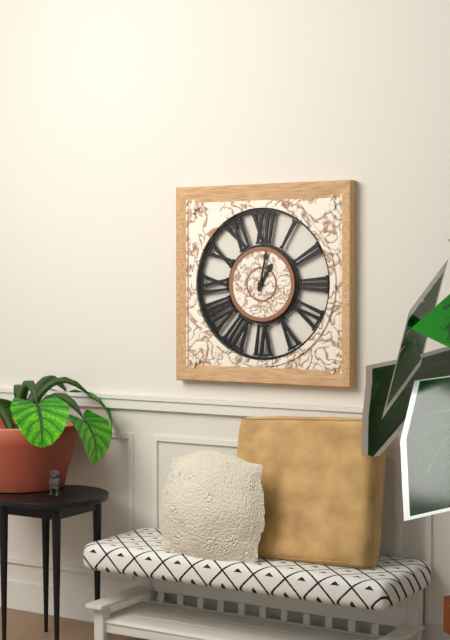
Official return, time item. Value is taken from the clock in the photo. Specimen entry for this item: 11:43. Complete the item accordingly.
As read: 1:02
